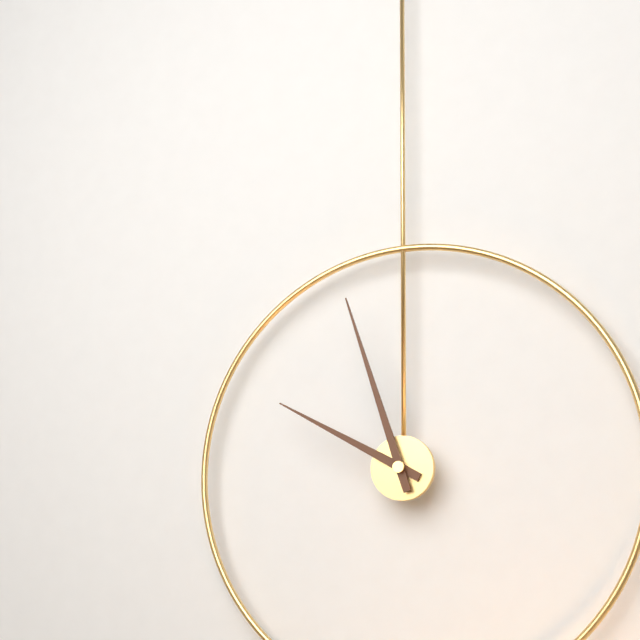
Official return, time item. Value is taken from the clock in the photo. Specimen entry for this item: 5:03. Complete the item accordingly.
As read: 9:57
